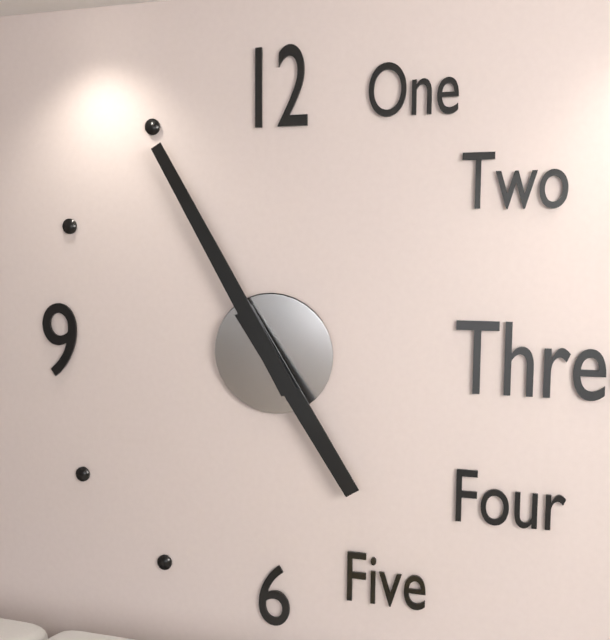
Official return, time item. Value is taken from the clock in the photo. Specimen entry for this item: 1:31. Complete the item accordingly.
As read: 4:55
